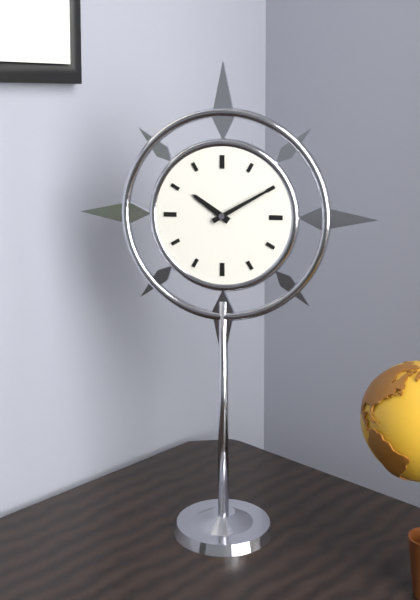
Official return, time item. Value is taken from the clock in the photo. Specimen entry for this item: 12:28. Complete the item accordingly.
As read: 10:10
